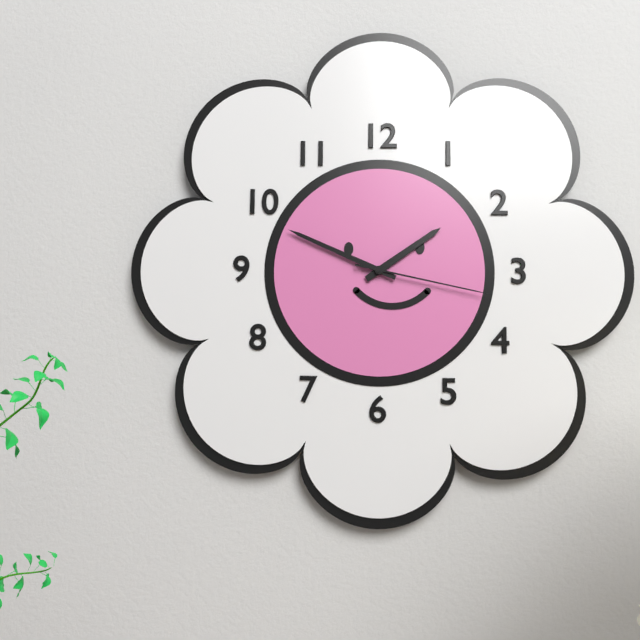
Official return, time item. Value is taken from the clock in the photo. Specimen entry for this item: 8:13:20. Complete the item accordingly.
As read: 1:49:17
